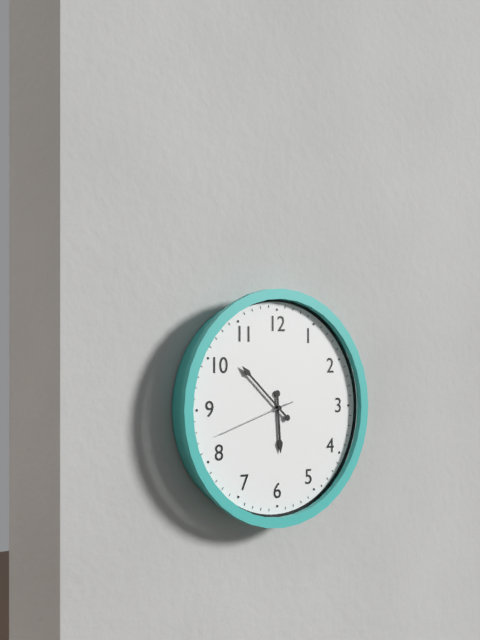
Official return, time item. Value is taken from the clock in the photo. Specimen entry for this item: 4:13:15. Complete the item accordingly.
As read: 5:52:42
